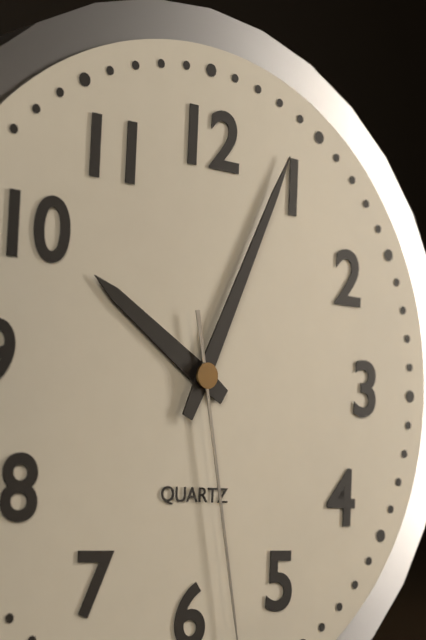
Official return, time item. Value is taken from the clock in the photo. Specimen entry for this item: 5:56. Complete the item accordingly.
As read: 10:04
